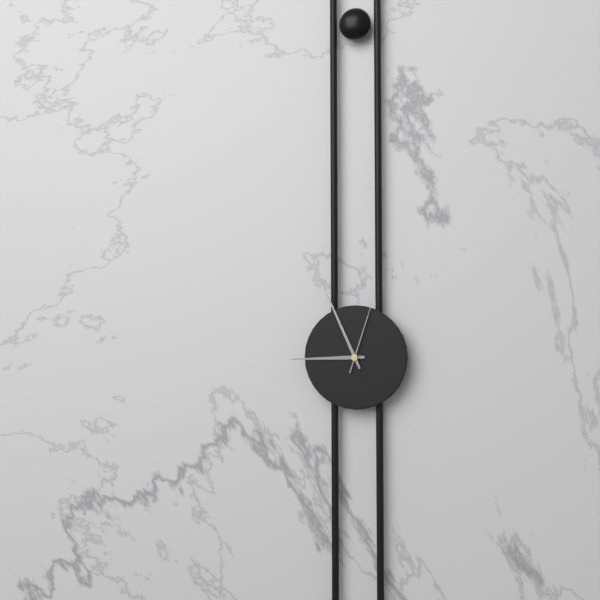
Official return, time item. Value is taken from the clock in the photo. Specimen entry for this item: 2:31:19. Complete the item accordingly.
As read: 8:56:03
